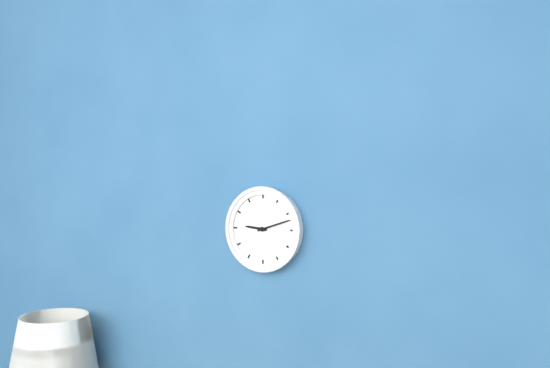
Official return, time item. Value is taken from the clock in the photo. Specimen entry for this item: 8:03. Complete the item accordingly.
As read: 9:12
